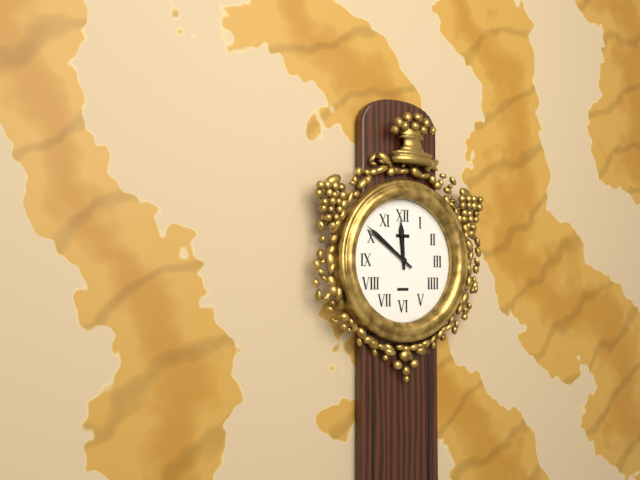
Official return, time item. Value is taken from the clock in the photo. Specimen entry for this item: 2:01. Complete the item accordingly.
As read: 11:51
